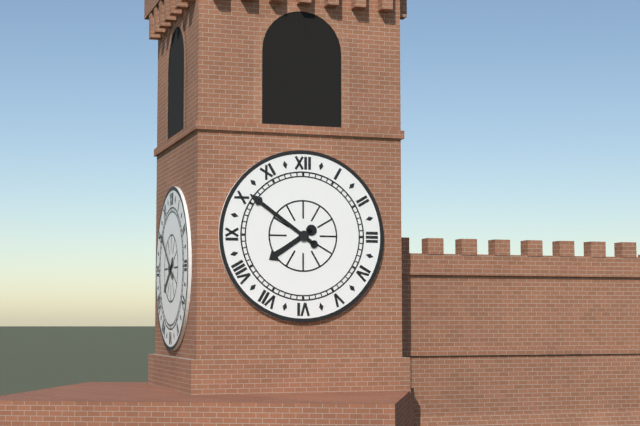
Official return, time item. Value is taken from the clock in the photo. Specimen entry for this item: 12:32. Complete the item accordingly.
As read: 7:51
